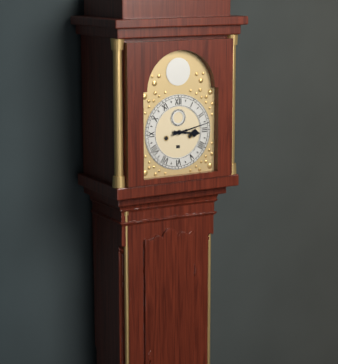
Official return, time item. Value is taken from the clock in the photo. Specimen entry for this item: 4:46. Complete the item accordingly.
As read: 3:13
